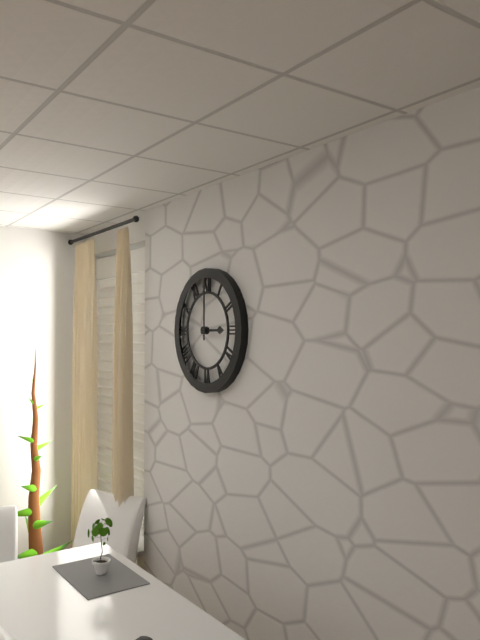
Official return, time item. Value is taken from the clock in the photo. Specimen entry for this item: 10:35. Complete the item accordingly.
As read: 3:00
